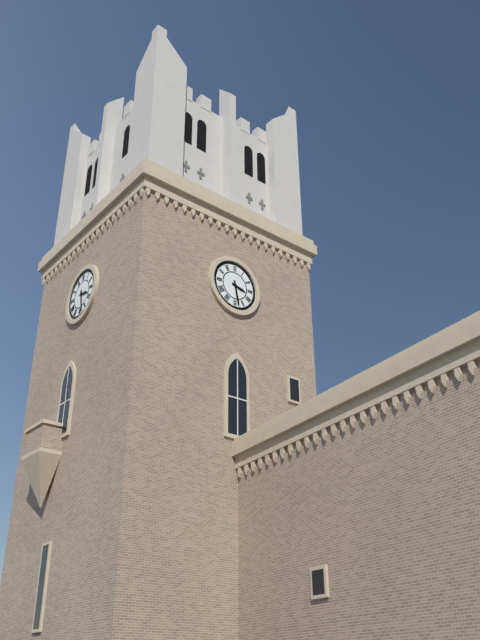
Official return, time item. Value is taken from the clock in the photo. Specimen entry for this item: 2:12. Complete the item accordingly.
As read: 3:28
